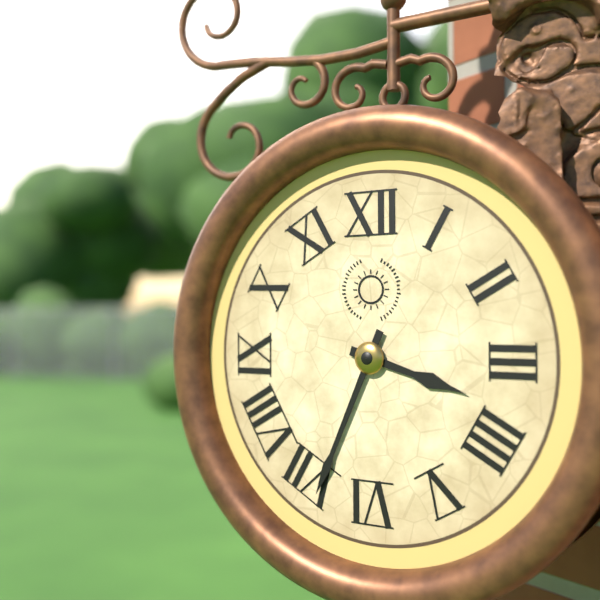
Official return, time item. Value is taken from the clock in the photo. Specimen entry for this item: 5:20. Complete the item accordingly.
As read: 3:34
